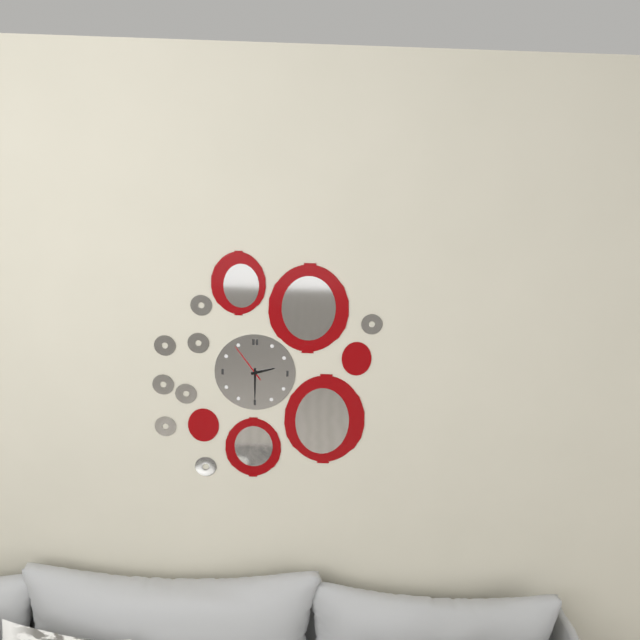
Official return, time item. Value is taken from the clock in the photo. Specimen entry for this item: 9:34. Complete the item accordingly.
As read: 2:30
